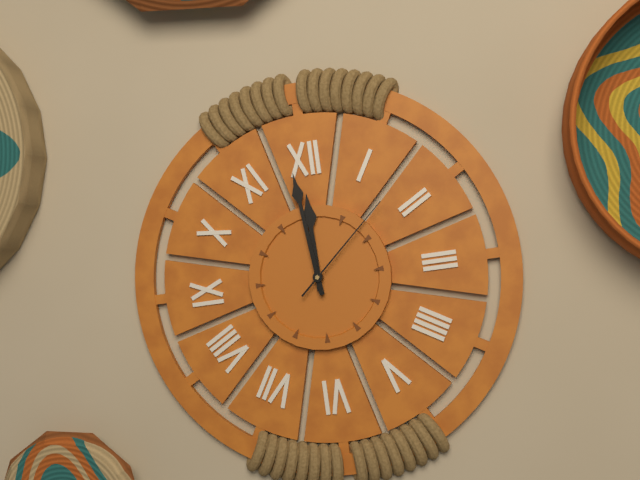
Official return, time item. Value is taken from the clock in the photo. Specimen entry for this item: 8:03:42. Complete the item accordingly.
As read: 11:59:08
